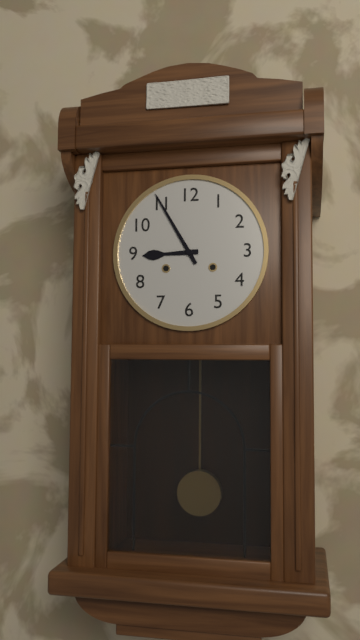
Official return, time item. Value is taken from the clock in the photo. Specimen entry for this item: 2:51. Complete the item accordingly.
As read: 8:55
